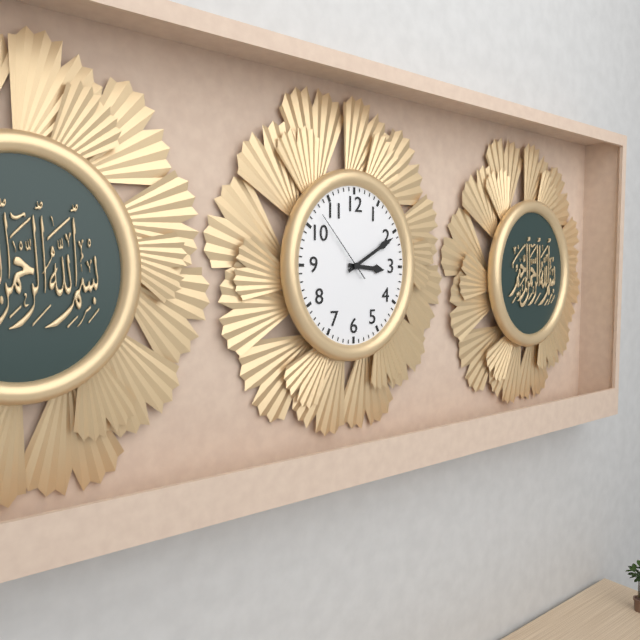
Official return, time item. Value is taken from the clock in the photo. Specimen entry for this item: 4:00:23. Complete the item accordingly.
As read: 3:10:53
